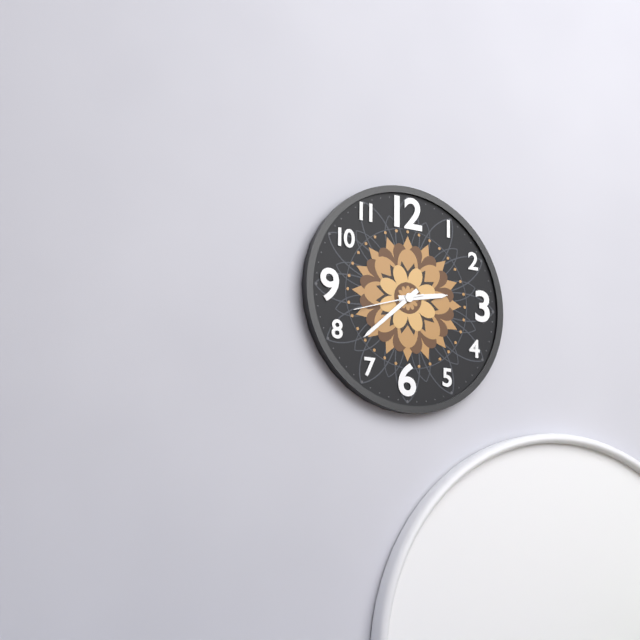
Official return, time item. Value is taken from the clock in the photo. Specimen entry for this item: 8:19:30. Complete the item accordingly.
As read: 2:38:42
